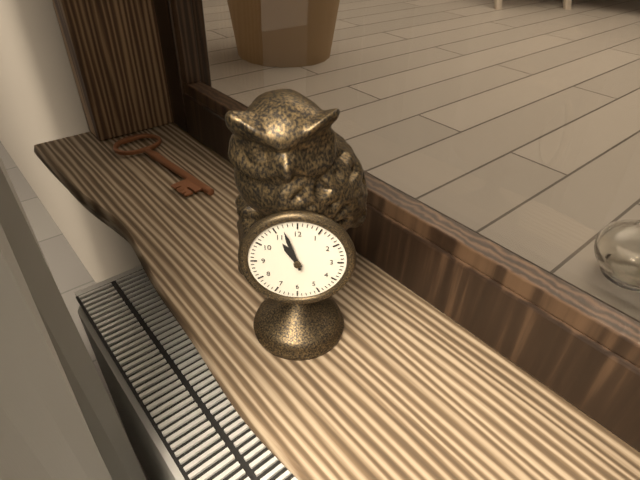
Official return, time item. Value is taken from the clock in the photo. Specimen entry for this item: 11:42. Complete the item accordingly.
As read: 10:57
